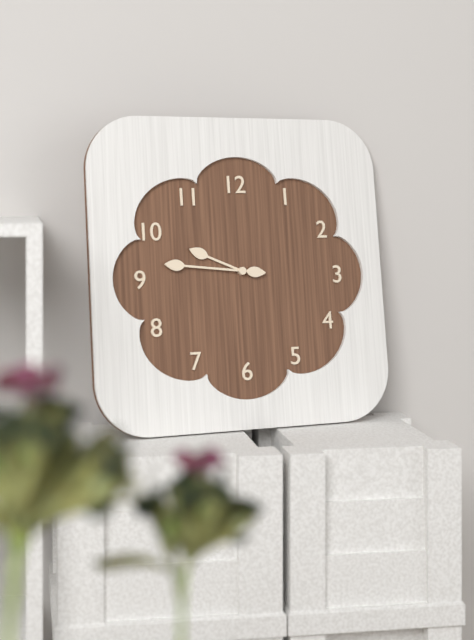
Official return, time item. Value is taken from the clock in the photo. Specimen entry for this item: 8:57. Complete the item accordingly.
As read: 9:46
